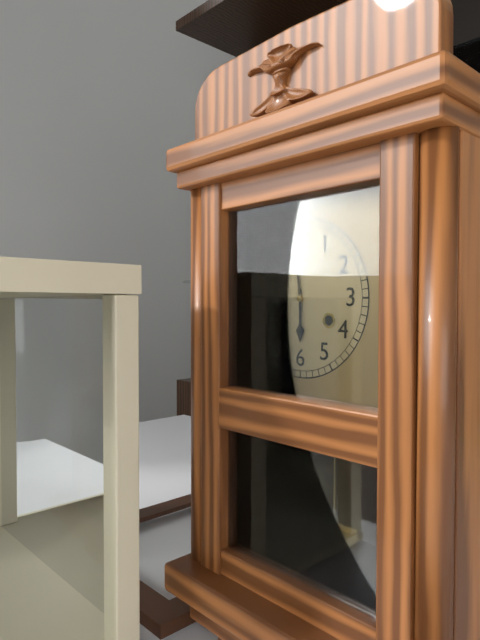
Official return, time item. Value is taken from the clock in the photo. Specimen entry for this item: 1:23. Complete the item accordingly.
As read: 5:59
